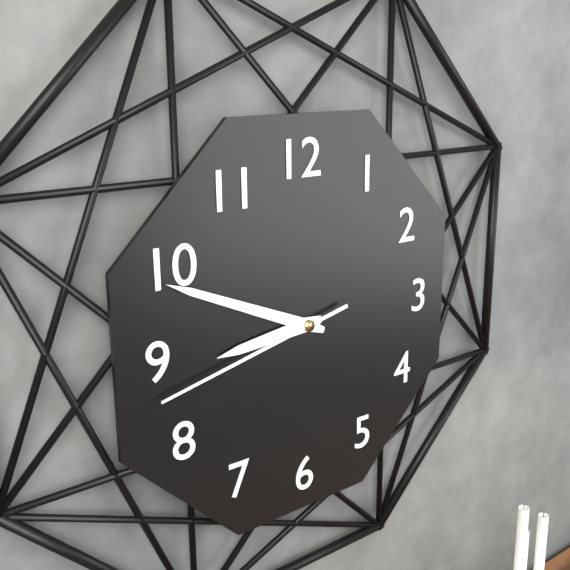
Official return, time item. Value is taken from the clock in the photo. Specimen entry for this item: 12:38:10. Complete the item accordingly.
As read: 8:49:43
